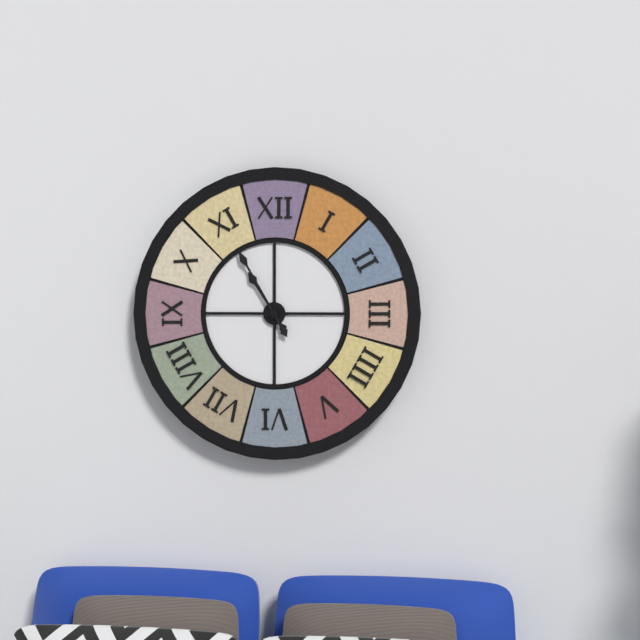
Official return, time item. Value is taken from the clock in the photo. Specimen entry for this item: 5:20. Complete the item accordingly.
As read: 10:55
